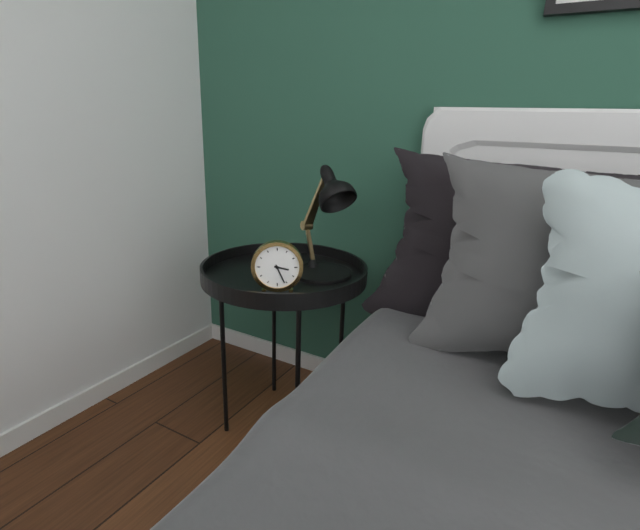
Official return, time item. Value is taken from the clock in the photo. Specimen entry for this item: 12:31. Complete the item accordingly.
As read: 3:26
